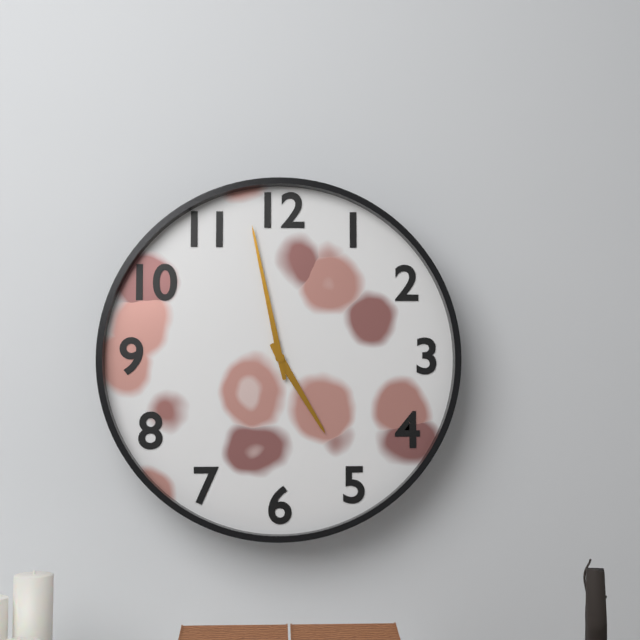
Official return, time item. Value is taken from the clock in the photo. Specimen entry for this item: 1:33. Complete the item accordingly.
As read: 4:58
